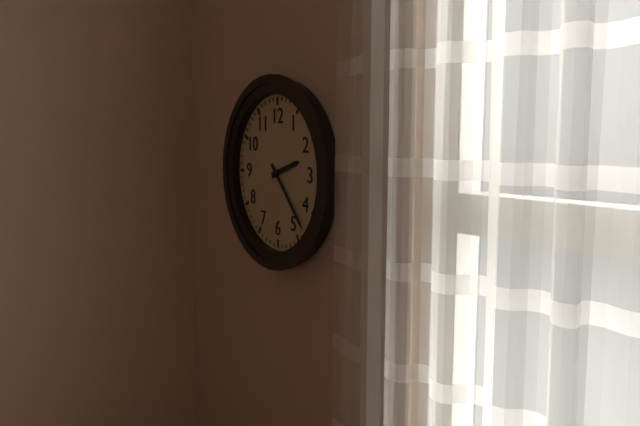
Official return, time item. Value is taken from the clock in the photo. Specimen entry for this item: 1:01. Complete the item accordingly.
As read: 2:23
